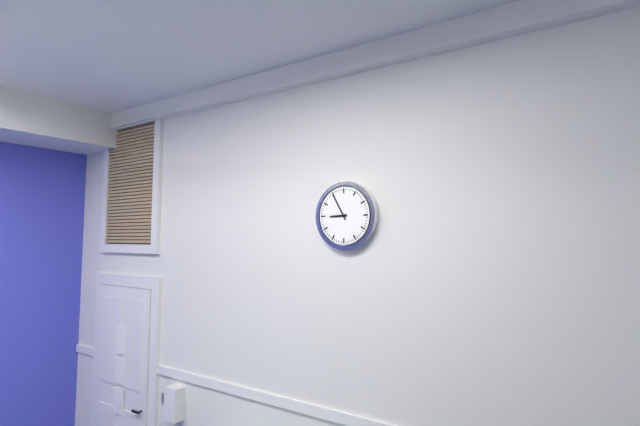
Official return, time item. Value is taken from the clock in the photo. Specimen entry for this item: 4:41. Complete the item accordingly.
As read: 8:55
